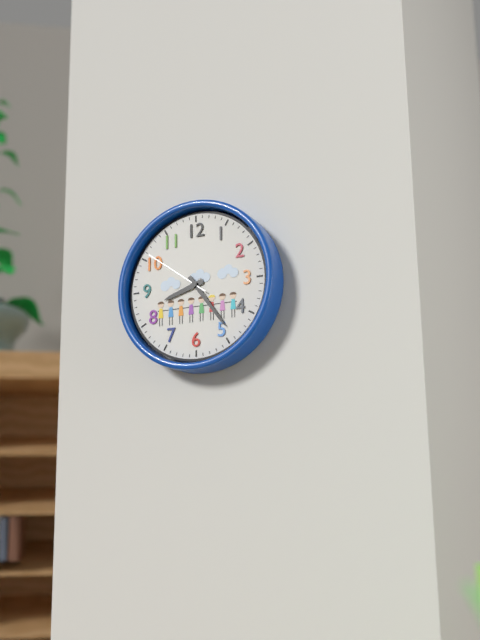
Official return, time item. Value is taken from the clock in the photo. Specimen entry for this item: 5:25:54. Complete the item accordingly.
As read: 8:24:51
